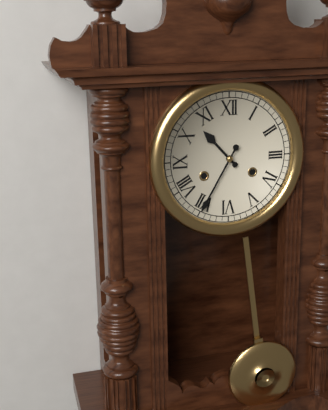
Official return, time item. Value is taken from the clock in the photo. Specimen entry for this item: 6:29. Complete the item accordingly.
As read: 10:35
